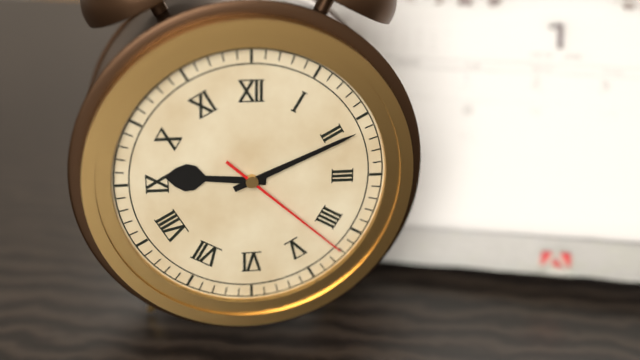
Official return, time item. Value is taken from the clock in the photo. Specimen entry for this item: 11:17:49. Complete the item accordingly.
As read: 9:11:22
